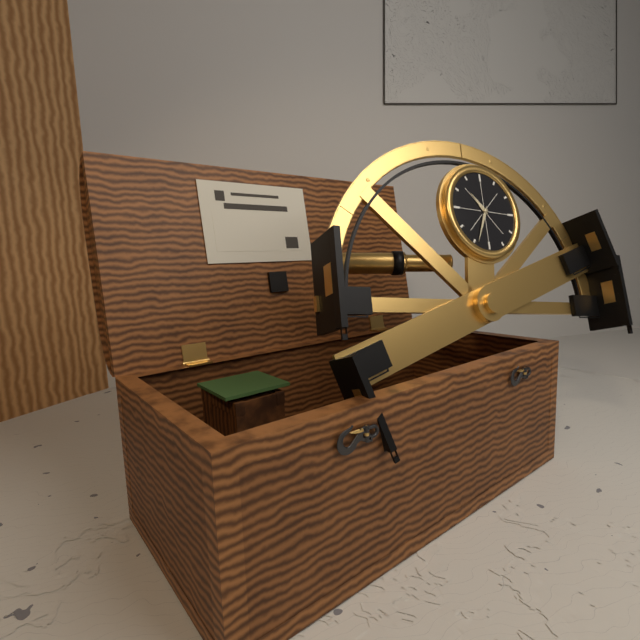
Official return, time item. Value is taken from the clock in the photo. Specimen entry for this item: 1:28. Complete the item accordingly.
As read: 10:34
